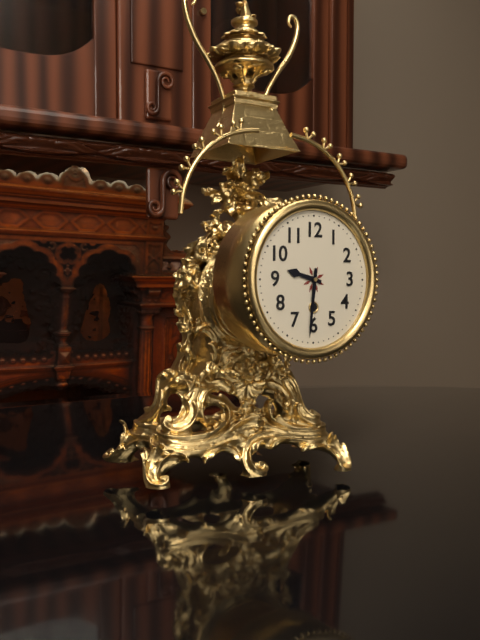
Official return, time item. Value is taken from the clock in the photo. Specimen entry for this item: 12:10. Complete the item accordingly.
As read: 9:31
